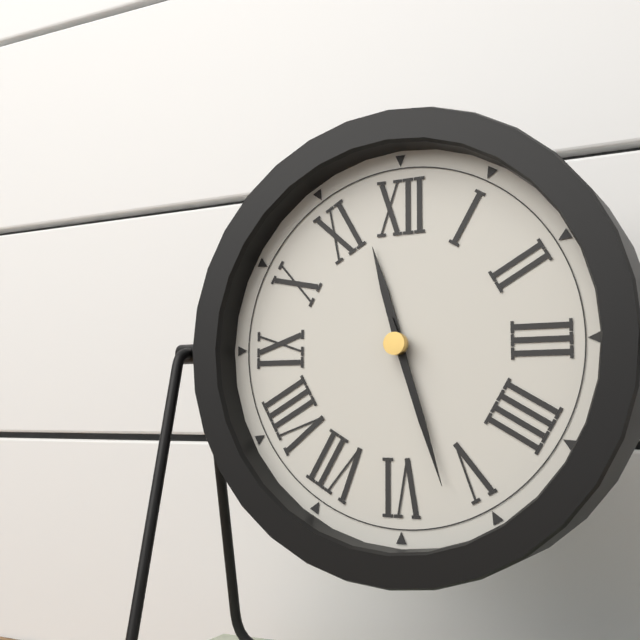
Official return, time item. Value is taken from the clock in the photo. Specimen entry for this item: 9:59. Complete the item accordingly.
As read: 11:27
